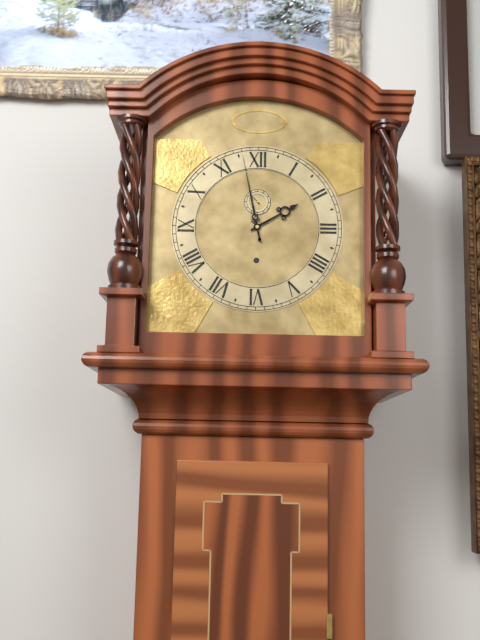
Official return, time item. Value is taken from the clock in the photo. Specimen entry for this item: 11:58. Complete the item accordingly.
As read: 1:58
